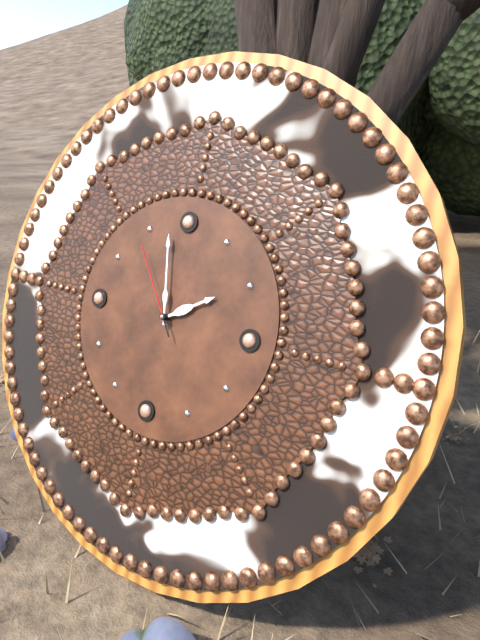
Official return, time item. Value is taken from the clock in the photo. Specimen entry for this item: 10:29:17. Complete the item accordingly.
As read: 1:58:54
